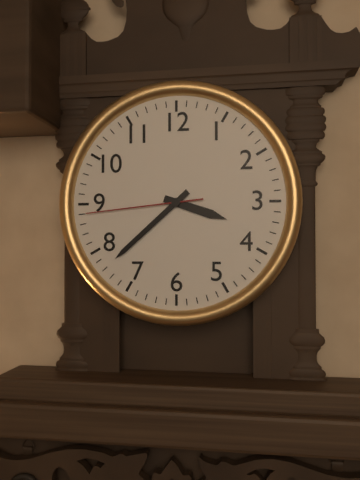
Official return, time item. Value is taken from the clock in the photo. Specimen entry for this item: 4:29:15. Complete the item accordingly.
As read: 3:38:44
